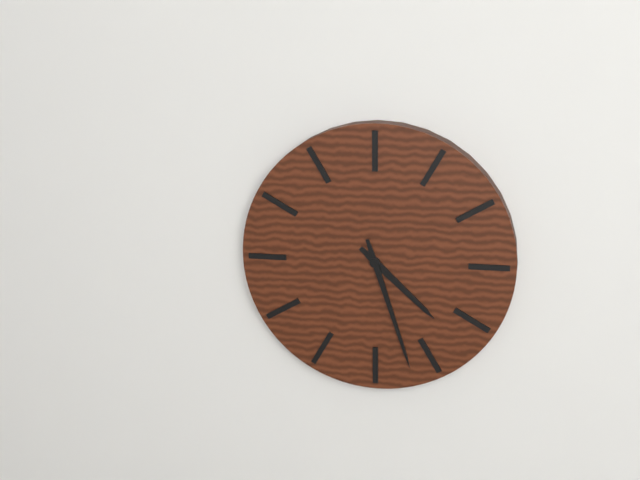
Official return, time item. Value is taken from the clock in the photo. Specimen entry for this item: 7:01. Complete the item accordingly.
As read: 4:27
